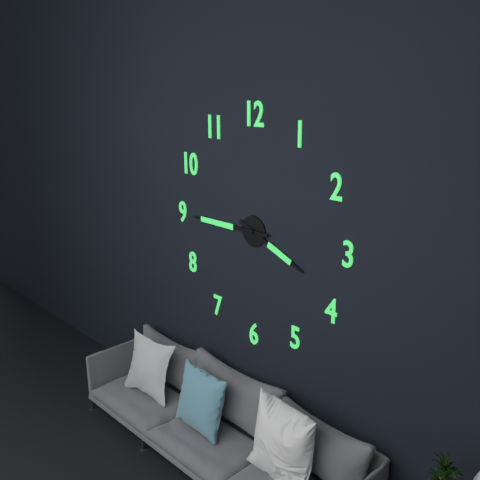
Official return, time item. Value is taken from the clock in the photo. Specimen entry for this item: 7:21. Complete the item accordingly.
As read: 3:45
